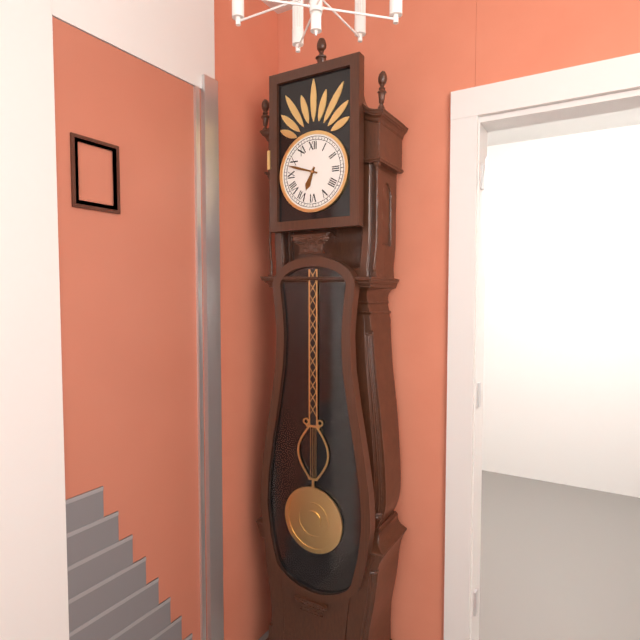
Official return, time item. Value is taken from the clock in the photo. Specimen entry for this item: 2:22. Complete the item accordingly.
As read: 6:48
